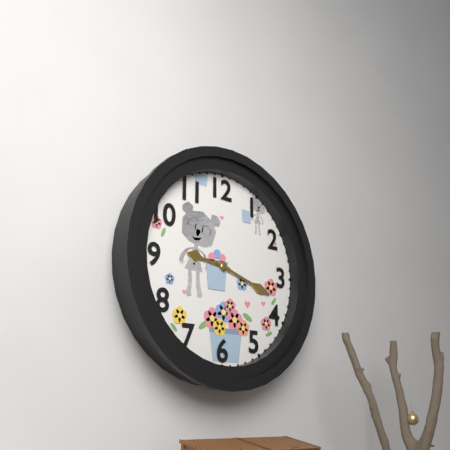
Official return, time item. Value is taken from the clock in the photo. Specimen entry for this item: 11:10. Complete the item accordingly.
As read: 9:18
